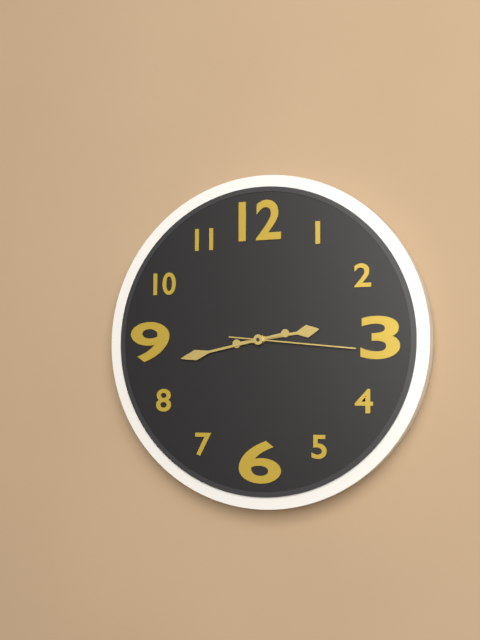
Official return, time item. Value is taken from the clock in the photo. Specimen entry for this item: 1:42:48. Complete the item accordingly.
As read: 2:43:16
